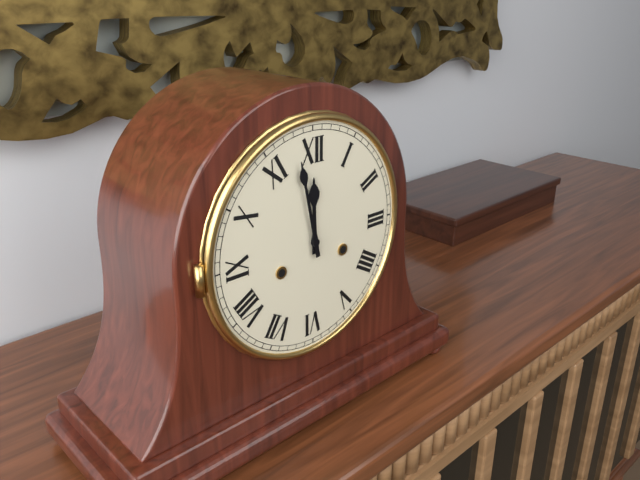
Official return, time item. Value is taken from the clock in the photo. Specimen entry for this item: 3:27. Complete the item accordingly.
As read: 11:58
